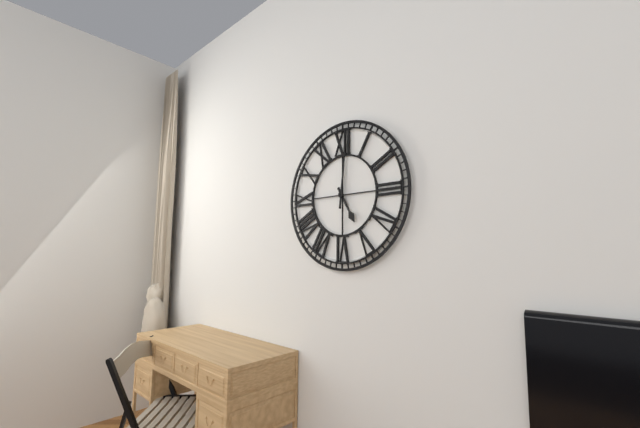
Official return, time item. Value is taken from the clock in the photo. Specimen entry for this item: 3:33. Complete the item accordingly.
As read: 5:01
